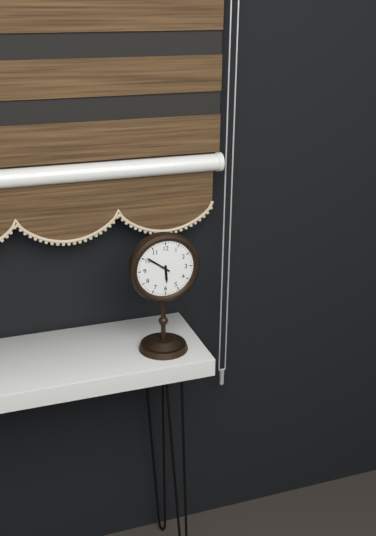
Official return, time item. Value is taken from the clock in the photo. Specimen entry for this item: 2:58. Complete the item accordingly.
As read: 5:51
